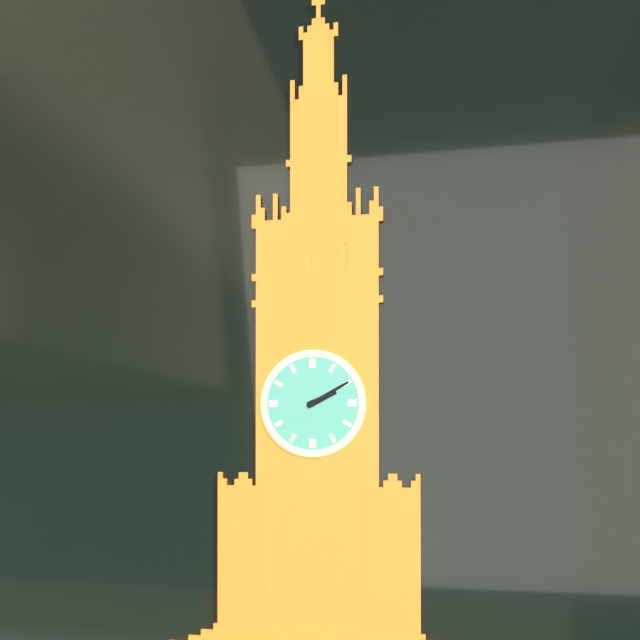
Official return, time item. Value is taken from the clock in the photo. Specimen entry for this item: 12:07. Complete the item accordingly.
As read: 2:10
